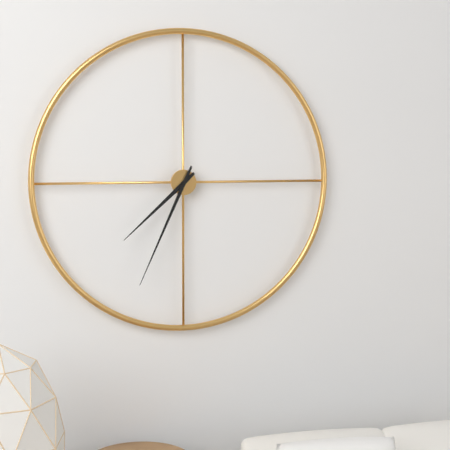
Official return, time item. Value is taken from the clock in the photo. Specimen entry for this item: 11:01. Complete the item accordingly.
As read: 7:34
